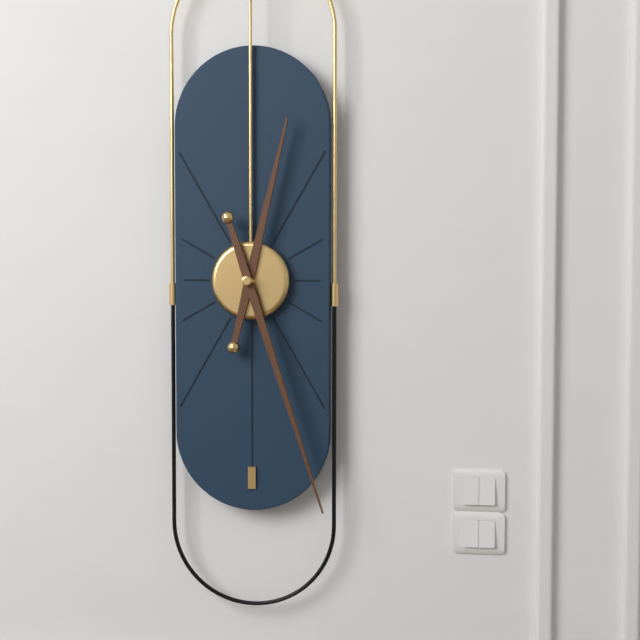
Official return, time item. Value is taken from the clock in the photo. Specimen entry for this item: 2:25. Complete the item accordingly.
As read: 12:27
